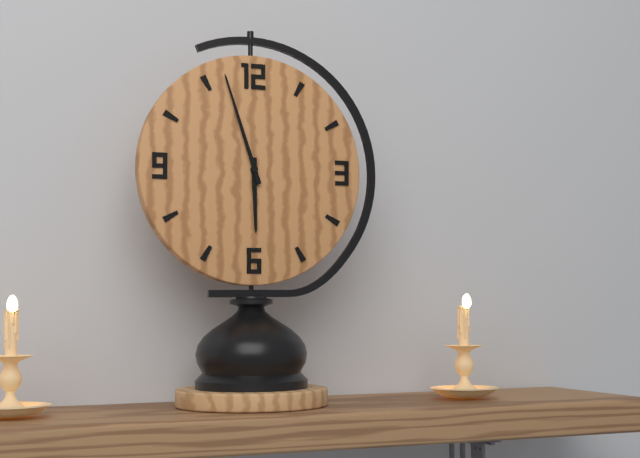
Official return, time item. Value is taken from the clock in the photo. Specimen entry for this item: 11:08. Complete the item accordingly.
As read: 5:57
